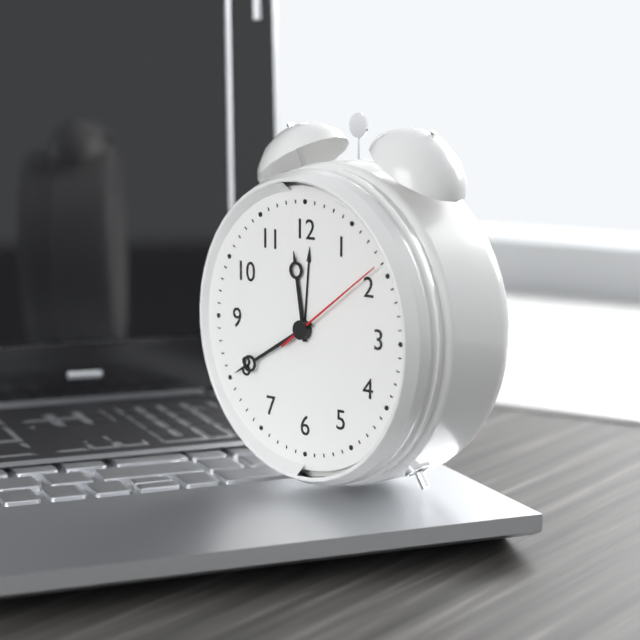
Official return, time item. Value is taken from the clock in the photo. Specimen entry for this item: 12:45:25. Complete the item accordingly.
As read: 11:40:09
